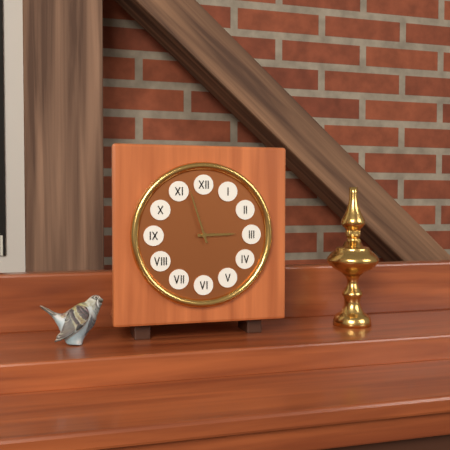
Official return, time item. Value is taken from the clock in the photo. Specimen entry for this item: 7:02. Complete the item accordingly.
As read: 2:57
